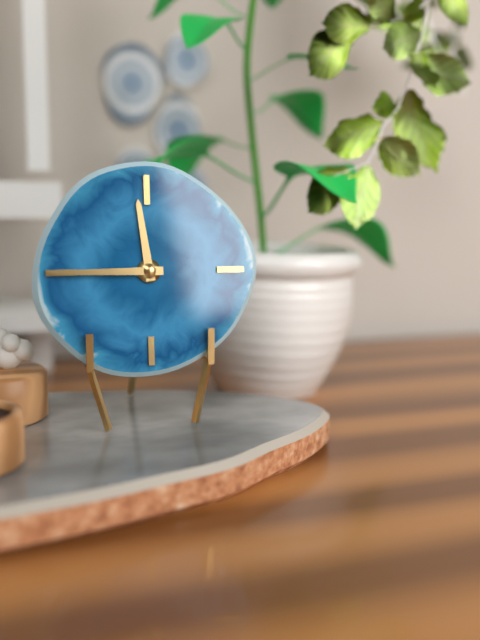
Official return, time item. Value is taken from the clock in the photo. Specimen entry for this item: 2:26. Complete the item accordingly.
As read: 11:45
